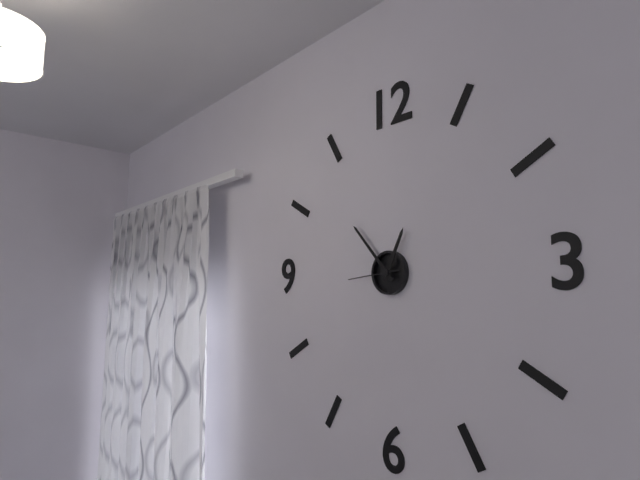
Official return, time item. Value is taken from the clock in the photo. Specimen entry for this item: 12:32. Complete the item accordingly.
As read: 12:53
